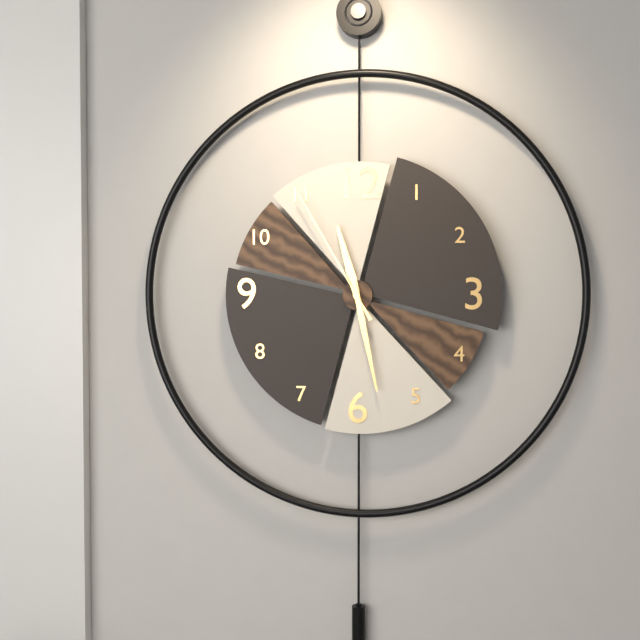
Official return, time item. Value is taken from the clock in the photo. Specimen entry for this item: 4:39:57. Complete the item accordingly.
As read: 11:28:55
